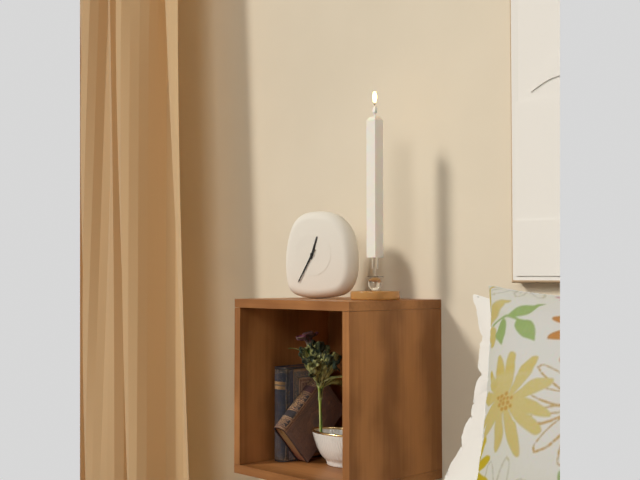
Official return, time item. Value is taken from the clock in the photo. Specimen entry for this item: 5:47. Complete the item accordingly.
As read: 12:35
